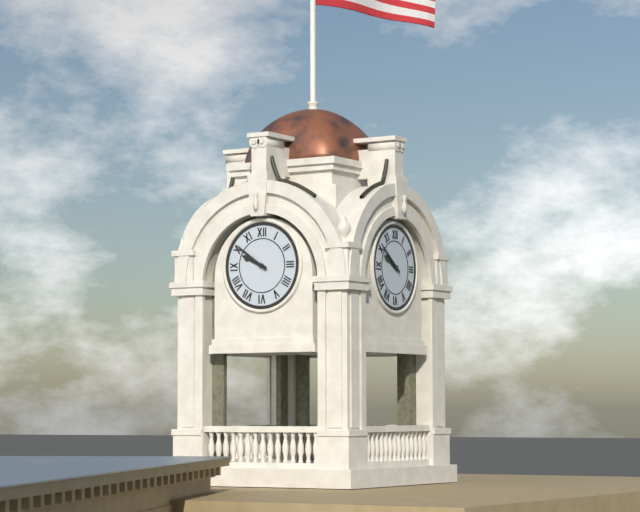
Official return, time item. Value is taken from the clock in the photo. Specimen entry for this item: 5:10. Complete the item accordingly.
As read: 9:51
